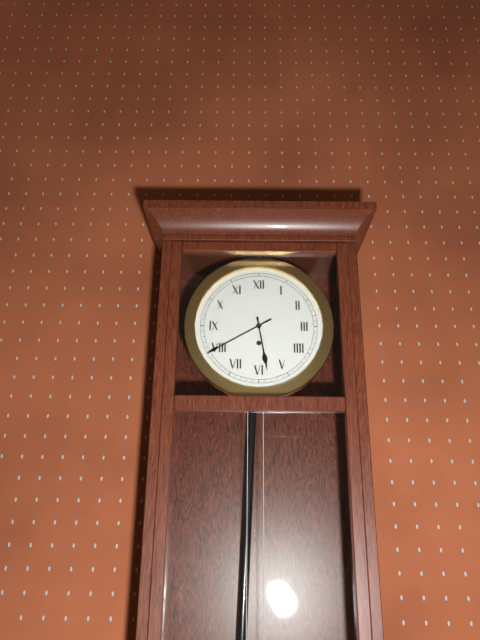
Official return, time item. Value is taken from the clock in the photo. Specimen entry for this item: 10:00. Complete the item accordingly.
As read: 5:40
